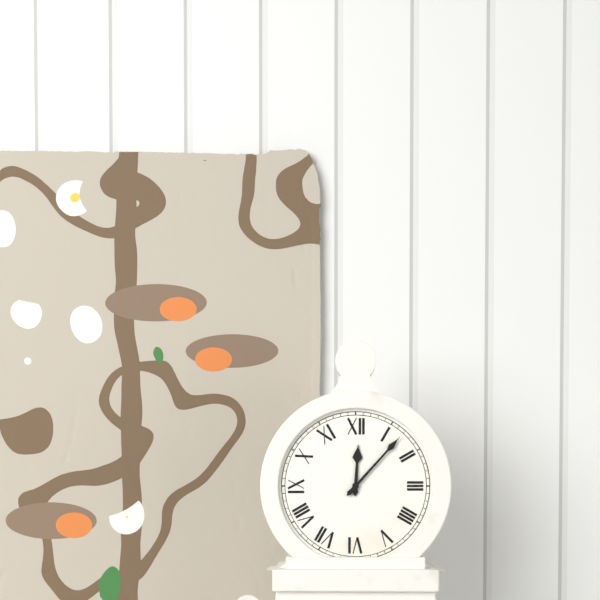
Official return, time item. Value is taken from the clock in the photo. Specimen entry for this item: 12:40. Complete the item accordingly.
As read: 12:07
